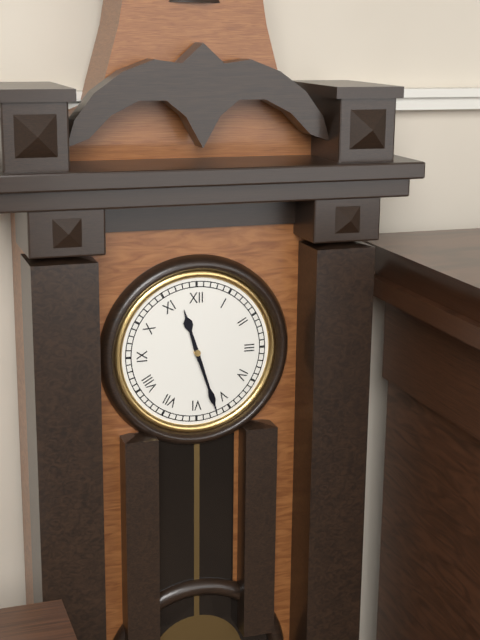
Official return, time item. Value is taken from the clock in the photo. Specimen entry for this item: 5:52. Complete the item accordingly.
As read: 11:27
